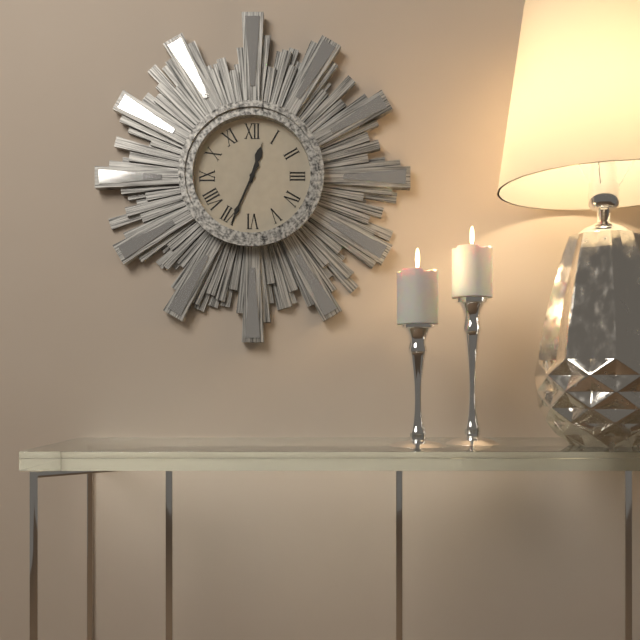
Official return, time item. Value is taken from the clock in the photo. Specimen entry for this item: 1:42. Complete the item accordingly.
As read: 12:34
